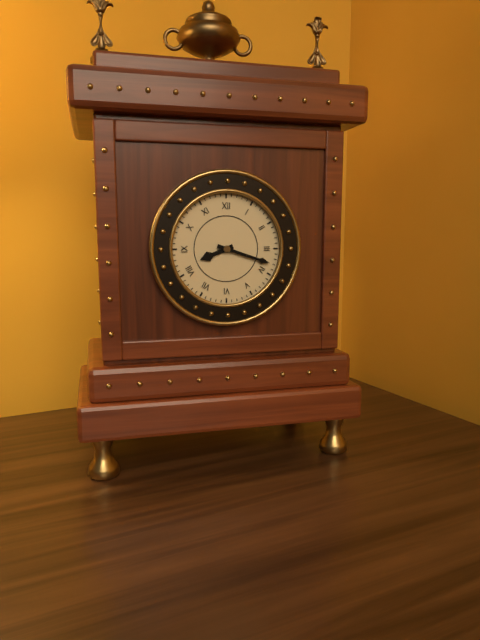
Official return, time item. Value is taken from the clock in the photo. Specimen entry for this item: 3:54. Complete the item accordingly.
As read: 8:18
